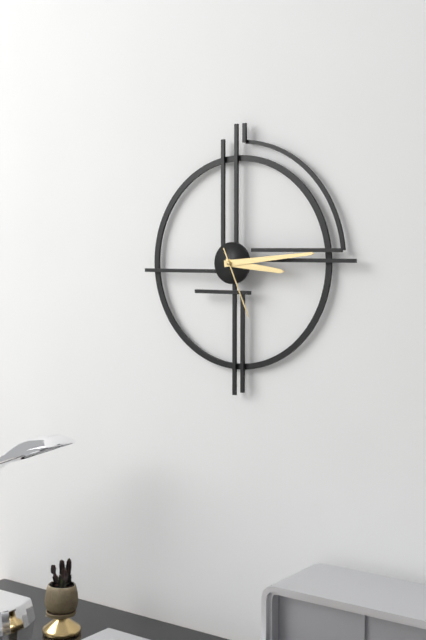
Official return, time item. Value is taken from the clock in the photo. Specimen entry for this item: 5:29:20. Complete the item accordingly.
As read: 3:14:26
